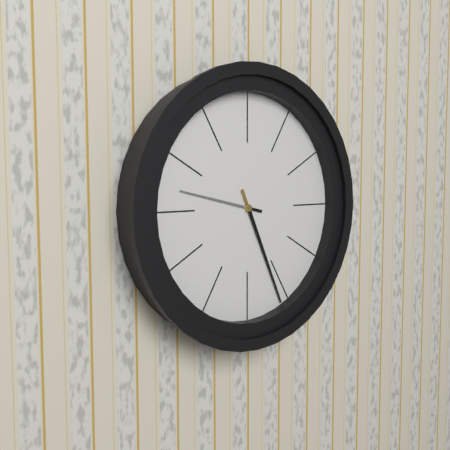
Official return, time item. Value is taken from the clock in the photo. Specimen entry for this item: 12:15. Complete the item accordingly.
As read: 9:26
